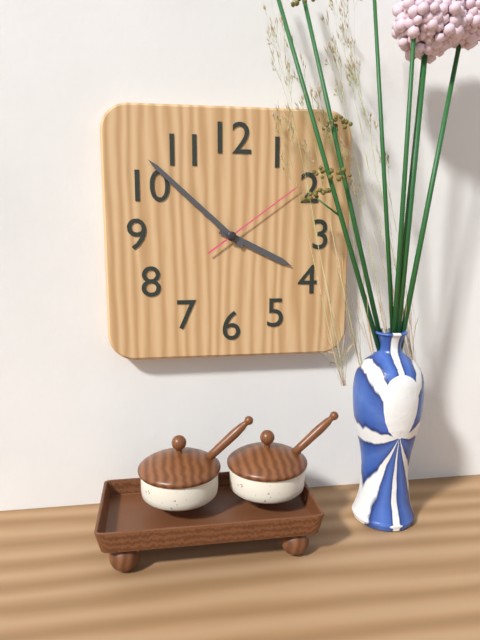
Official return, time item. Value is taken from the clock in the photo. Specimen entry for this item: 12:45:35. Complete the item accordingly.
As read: 3:52:09
